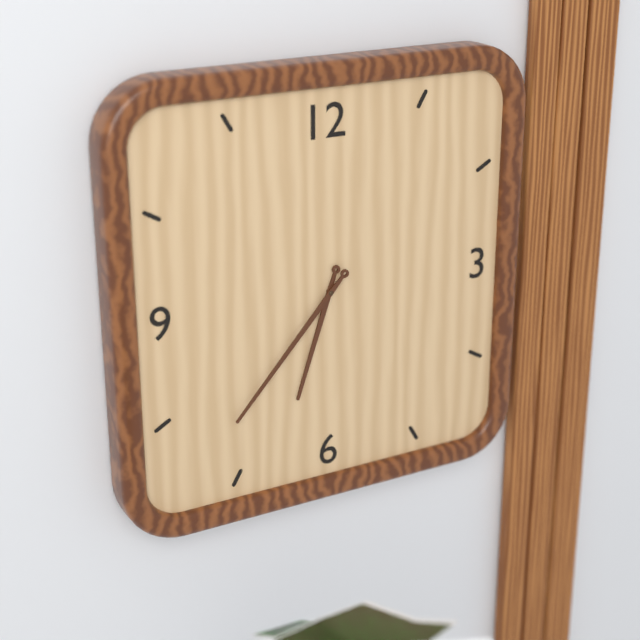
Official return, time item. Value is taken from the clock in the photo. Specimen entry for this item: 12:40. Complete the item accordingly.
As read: 6:37
